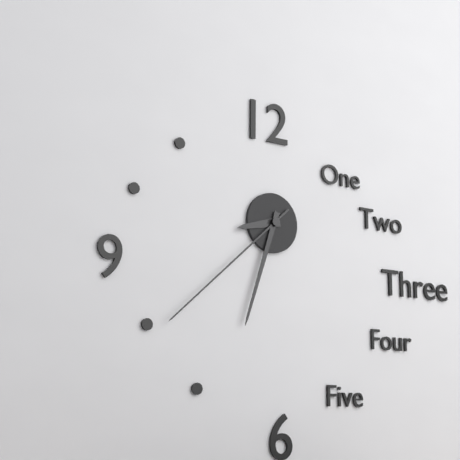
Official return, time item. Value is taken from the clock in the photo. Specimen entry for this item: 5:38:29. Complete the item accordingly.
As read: 8:33:38
